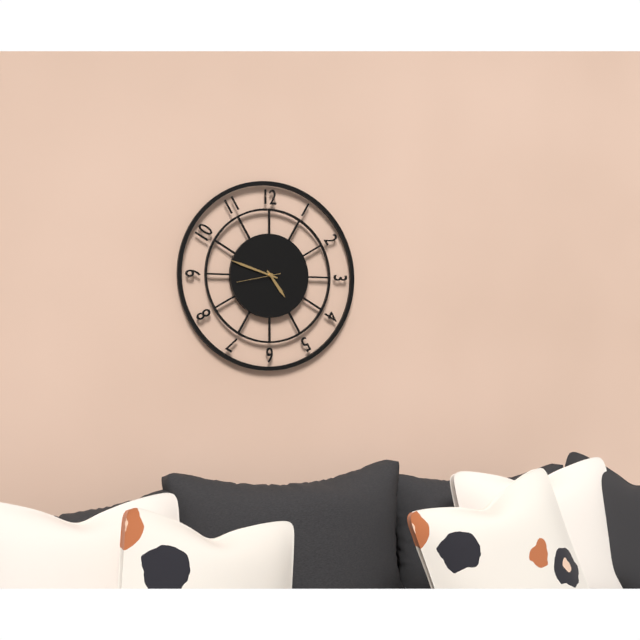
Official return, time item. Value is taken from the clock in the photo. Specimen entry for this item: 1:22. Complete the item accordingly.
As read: 4:48
